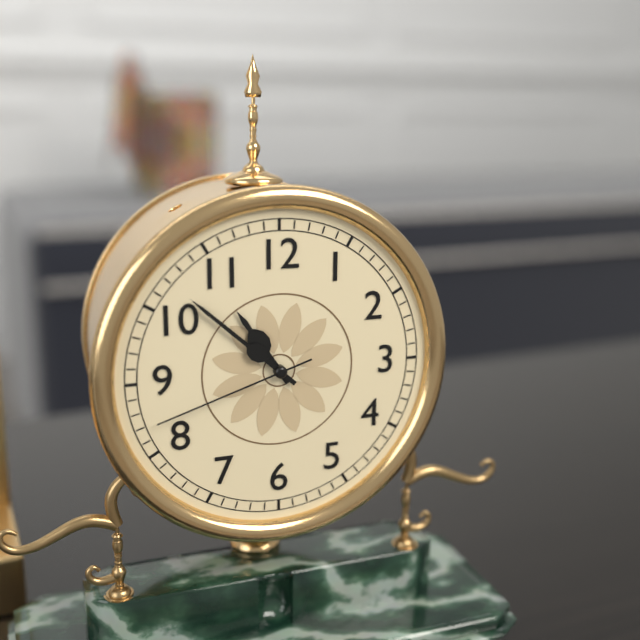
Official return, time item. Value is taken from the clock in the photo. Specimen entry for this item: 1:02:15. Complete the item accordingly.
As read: 10:52:42
